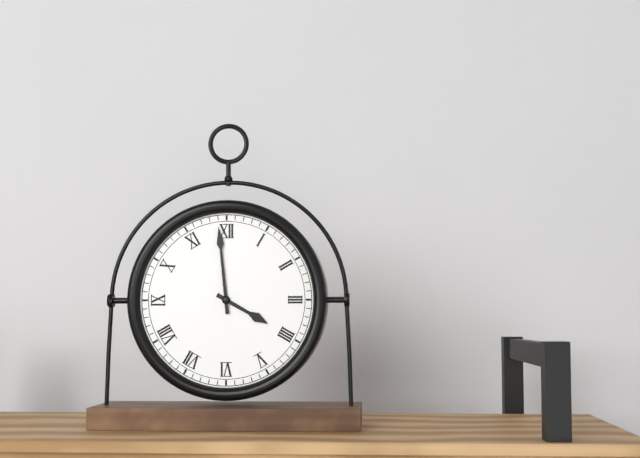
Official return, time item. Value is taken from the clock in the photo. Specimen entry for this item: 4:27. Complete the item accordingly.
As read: 3:59
